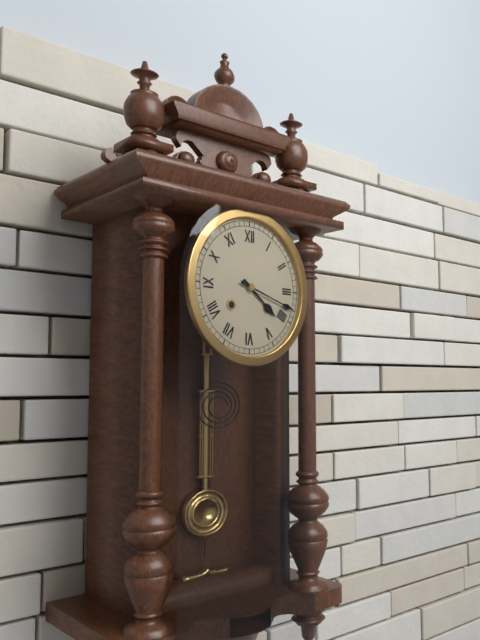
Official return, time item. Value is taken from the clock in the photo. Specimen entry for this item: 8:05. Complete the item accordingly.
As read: 4:18
